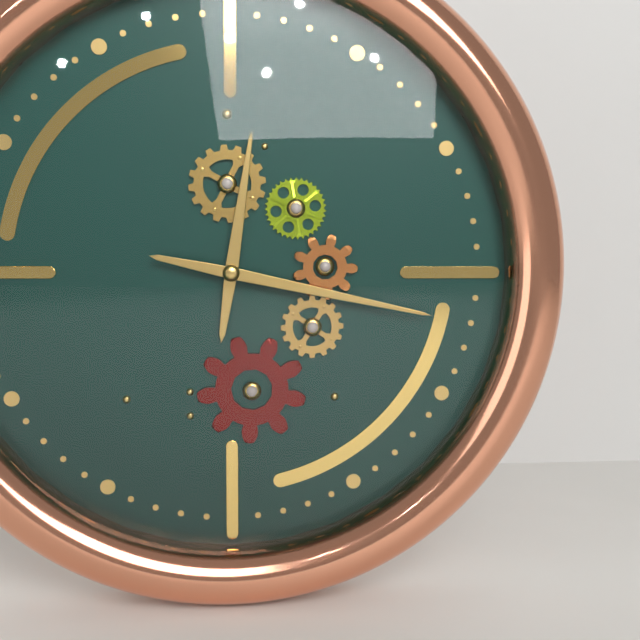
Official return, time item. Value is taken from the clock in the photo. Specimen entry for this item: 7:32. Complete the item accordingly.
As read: 12:17
